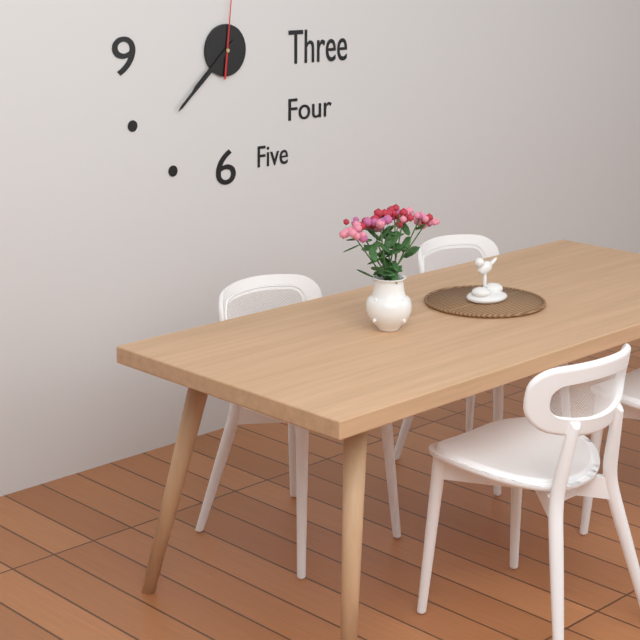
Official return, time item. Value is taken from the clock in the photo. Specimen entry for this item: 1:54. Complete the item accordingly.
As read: 7:38
